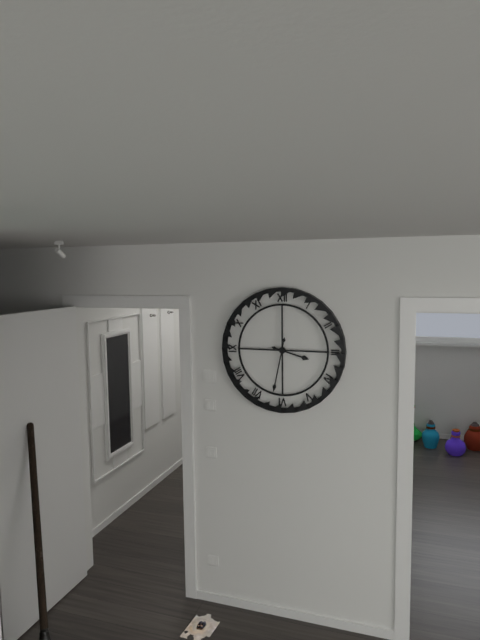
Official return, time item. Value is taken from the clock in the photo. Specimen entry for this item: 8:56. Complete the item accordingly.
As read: 3:32
